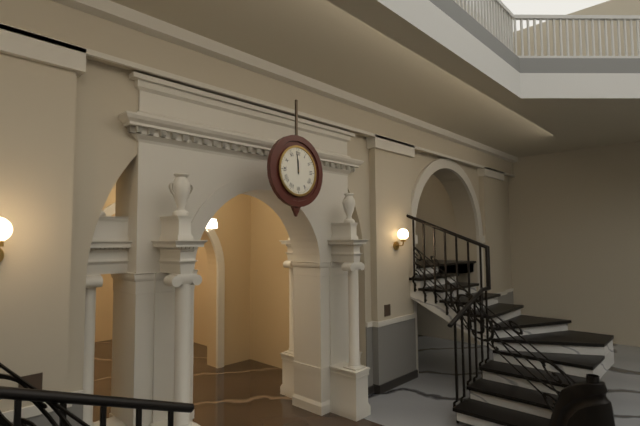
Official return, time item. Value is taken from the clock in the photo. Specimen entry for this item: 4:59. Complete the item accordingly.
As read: 11:59
